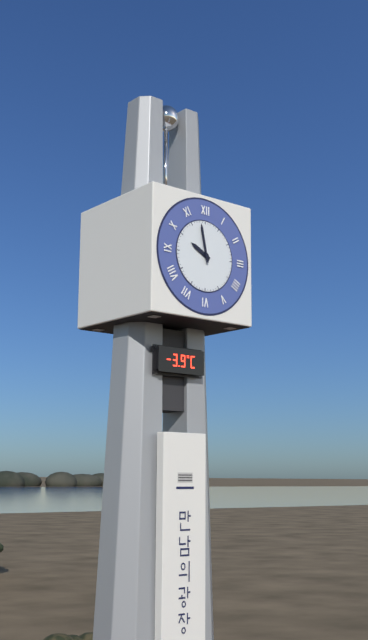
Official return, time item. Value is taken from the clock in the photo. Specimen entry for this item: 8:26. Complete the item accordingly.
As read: 9:58
